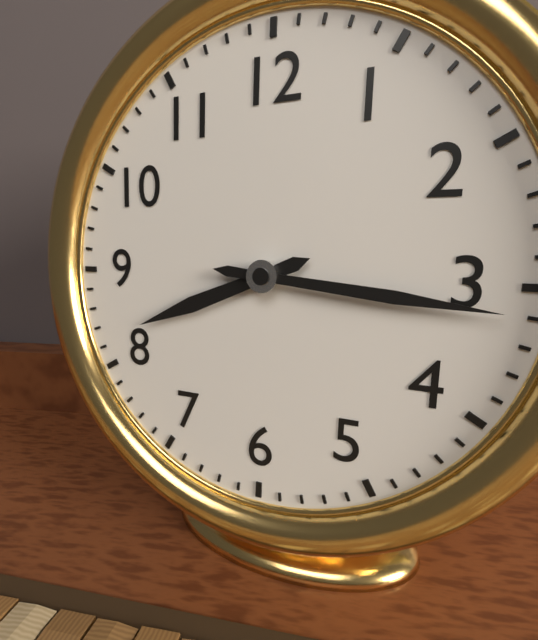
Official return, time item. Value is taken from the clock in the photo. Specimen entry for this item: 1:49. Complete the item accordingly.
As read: 8:16
